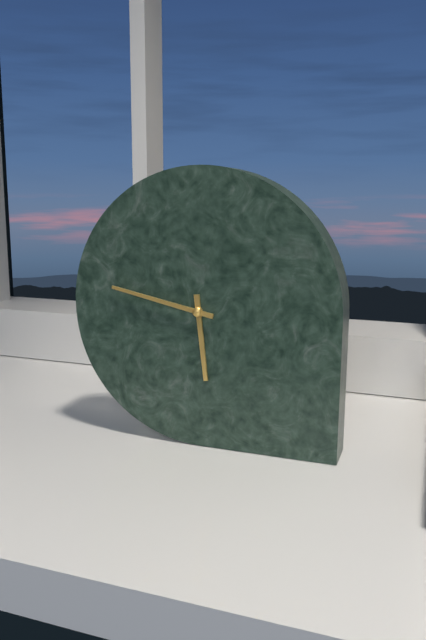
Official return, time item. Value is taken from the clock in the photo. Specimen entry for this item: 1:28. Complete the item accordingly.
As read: 5:47
